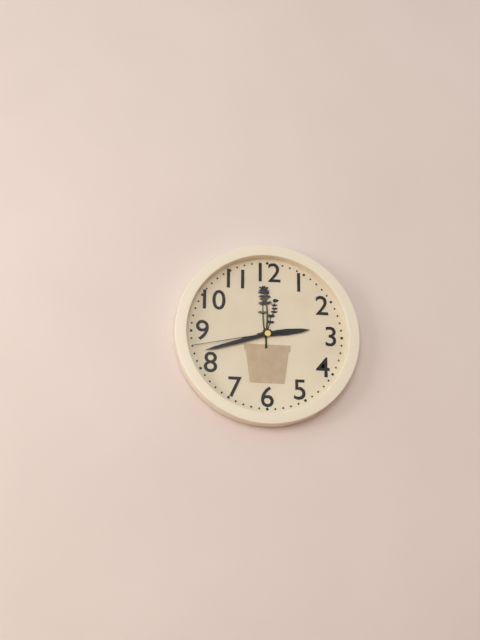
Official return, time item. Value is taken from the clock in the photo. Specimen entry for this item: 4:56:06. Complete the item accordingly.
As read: 2:42:43
